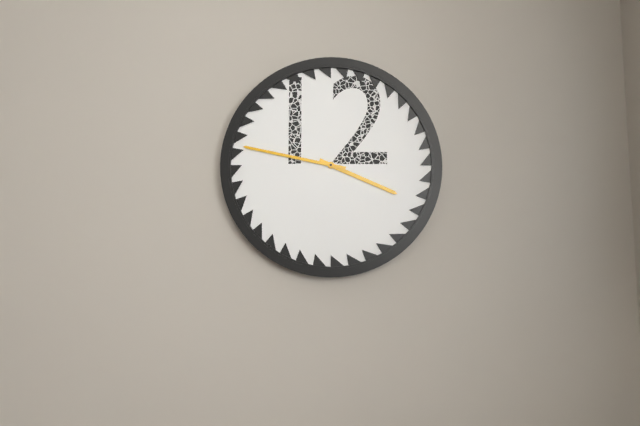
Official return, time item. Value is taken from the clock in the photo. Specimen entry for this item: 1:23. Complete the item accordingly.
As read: 3:47
